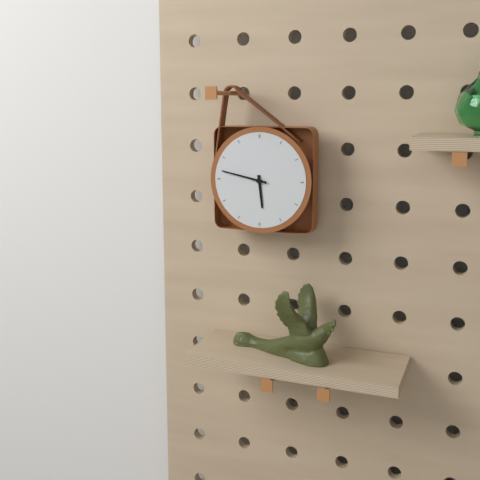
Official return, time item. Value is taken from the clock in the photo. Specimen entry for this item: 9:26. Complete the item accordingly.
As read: 5:47
